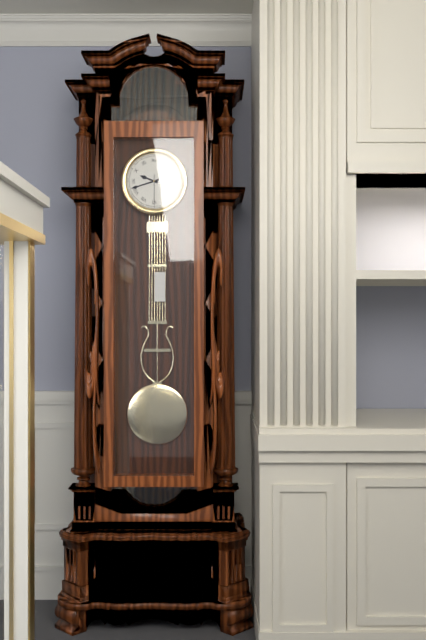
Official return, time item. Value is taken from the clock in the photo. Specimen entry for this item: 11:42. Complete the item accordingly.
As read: 9:42
